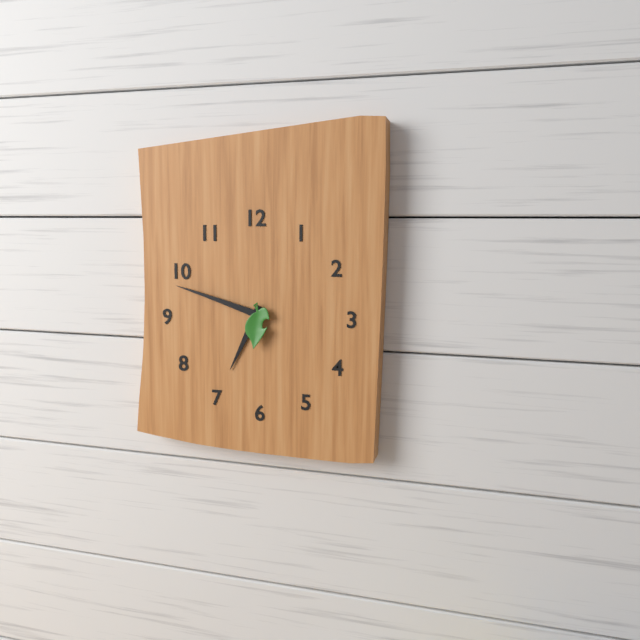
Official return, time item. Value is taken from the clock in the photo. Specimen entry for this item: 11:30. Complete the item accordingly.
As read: 6:48
